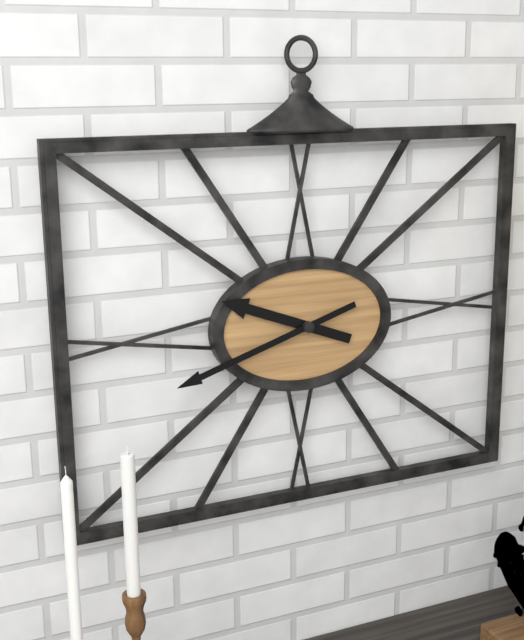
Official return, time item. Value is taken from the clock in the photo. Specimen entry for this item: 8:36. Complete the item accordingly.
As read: 9:42
